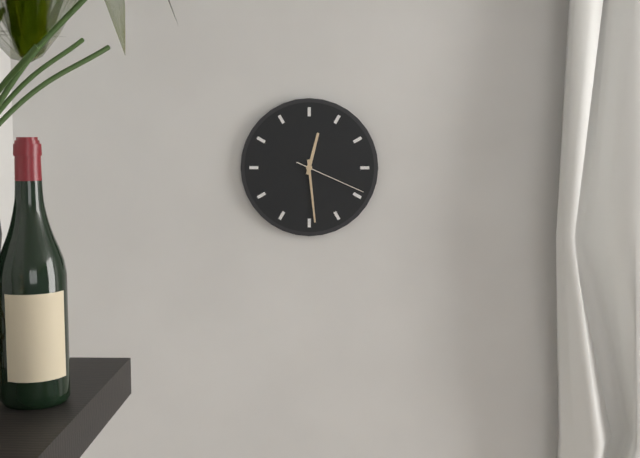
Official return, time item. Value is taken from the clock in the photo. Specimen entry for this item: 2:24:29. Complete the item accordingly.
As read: 12:29:19
